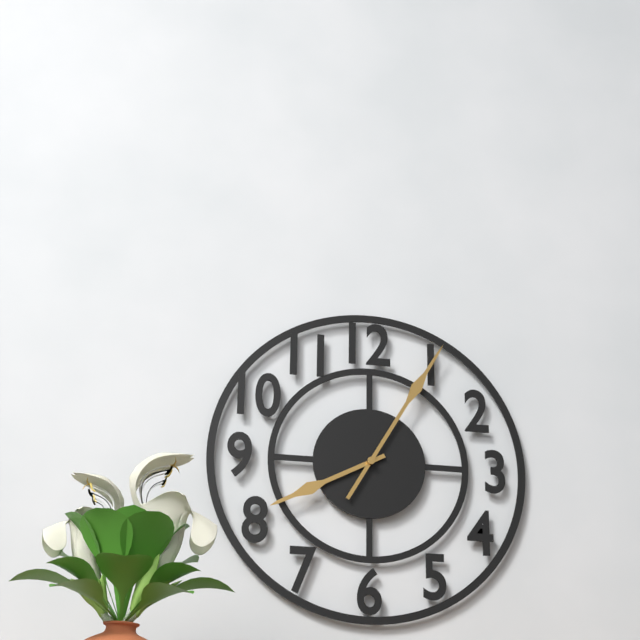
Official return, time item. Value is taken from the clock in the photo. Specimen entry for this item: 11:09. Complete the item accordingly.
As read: 8:05
